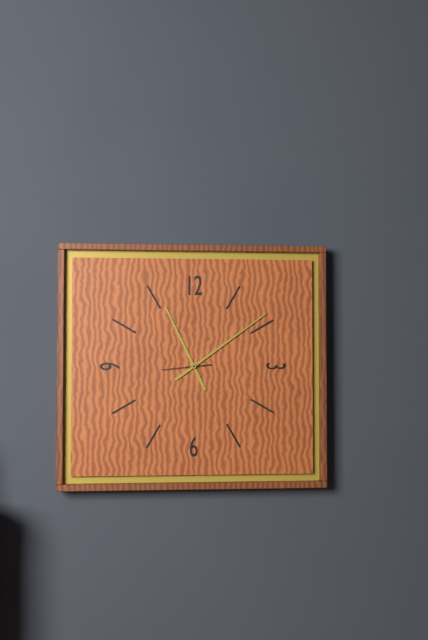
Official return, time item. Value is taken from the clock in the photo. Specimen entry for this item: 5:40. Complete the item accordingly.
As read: 11:09
